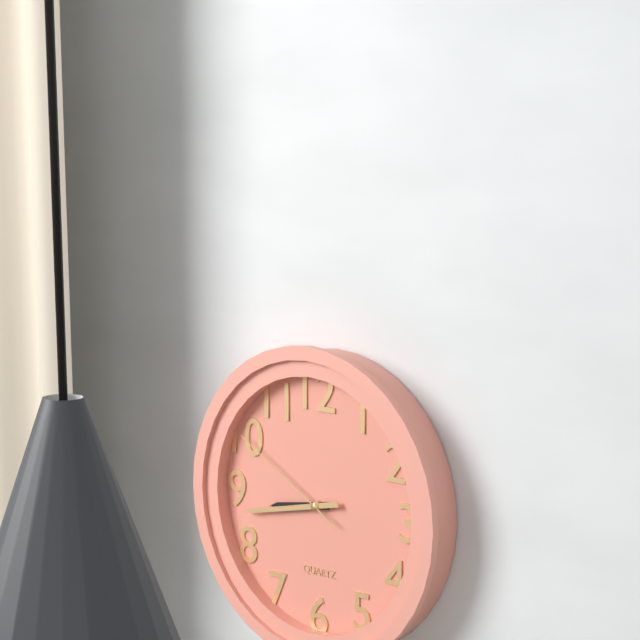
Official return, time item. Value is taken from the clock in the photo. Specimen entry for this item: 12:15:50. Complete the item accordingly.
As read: 8:43:50
